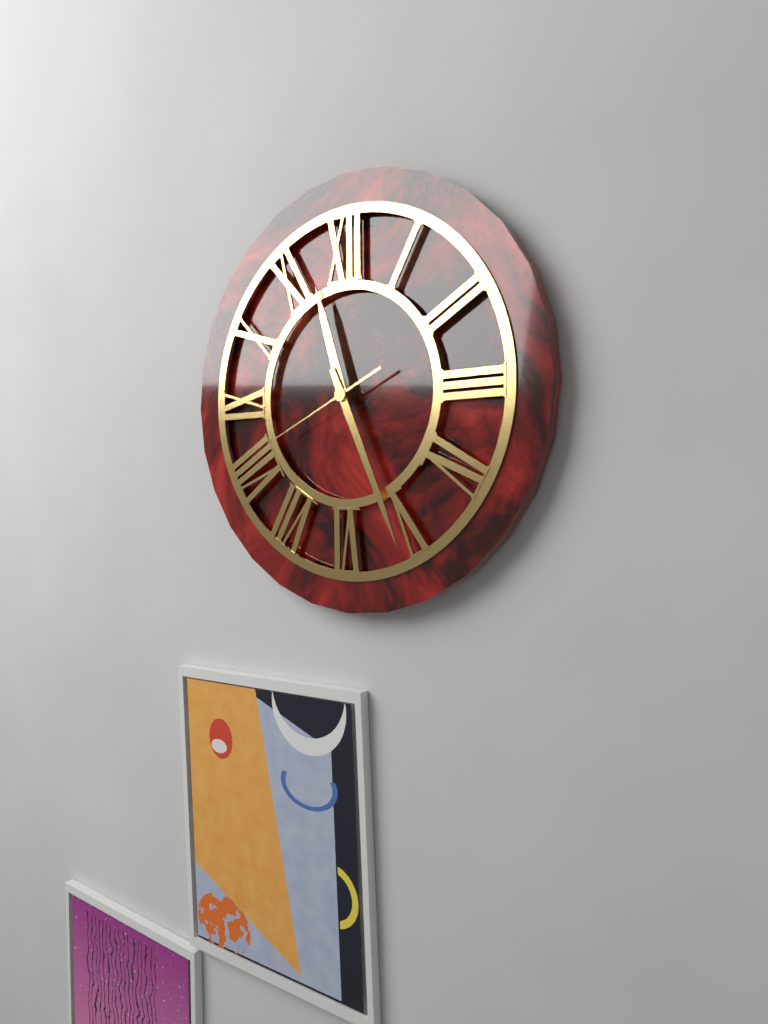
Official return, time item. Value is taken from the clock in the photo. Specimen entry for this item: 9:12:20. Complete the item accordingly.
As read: 11:26:41
